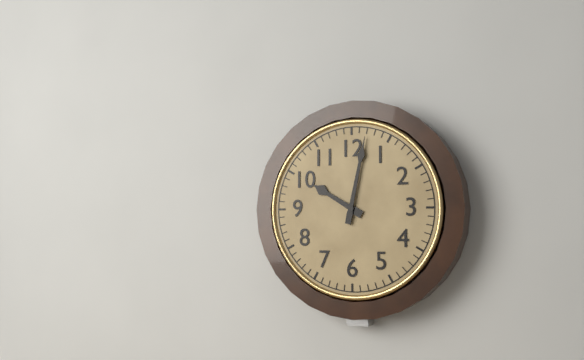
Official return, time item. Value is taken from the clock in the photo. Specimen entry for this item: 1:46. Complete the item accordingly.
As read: 10:02
